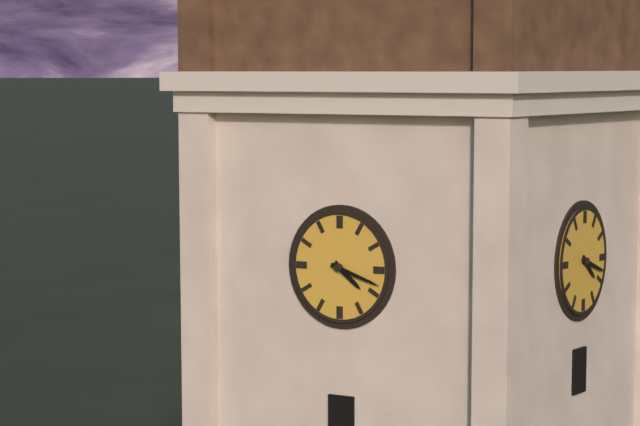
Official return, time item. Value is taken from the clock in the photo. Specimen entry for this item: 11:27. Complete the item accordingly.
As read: 4:18
